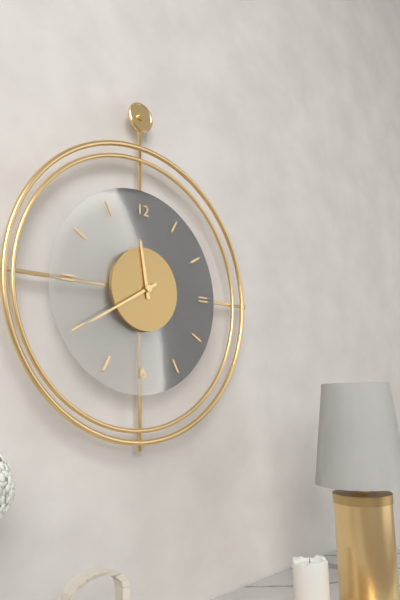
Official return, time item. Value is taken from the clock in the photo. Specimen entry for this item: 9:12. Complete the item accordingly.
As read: 11:40
